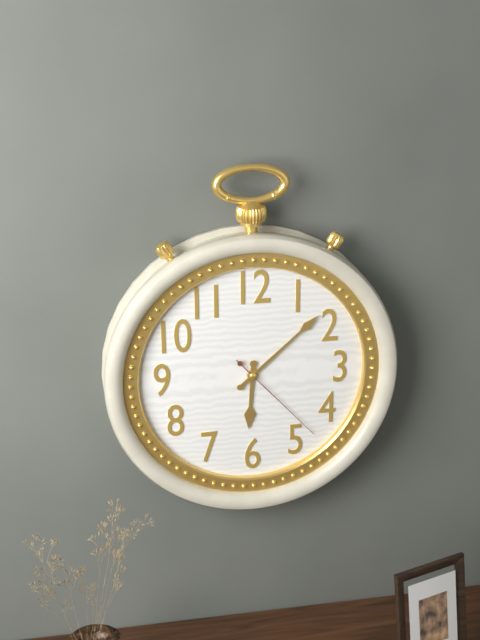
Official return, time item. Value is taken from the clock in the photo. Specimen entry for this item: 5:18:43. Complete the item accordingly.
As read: 6:08:23
